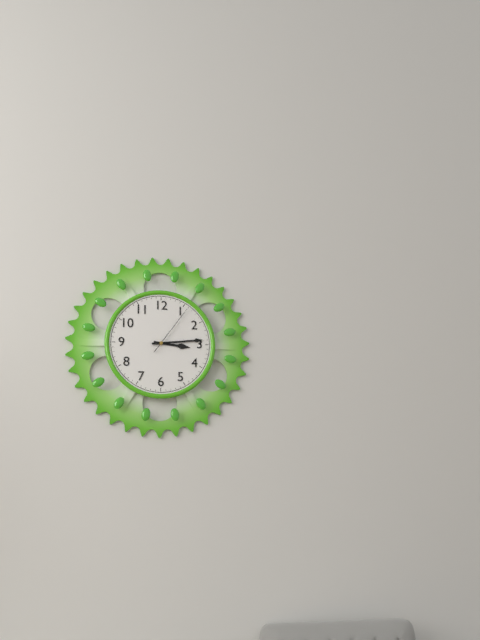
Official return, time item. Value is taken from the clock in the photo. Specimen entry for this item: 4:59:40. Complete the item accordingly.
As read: 3:14:06
